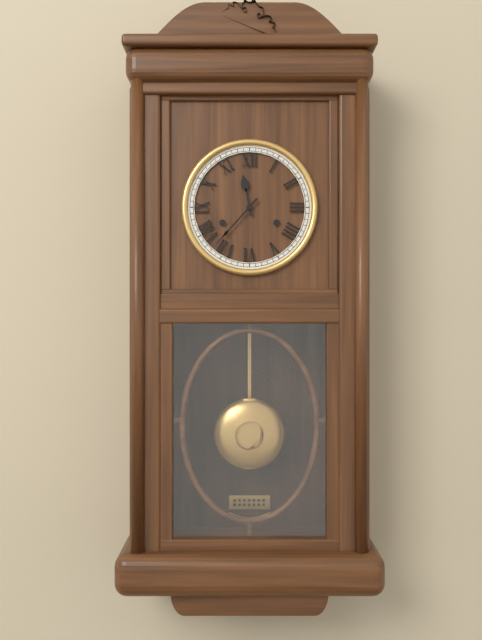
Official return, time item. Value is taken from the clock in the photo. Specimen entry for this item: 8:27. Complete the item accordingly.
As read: 11:37
